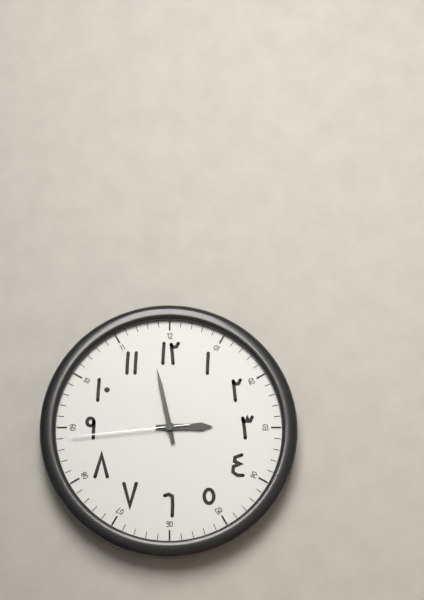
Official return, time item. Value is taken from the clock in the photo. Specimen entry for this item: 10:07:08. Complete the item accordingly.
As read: 2:58:44
